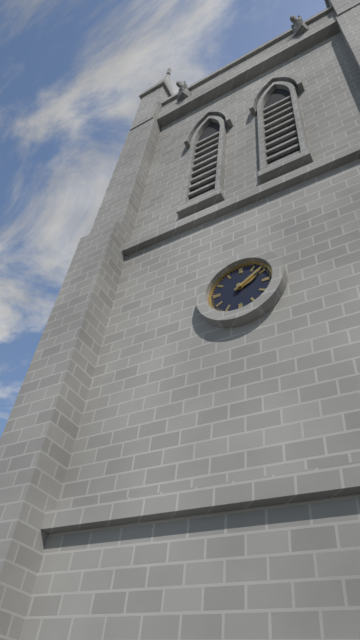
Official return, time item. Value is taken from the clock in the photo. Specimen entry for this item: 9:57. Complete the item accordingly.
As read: 2:09
